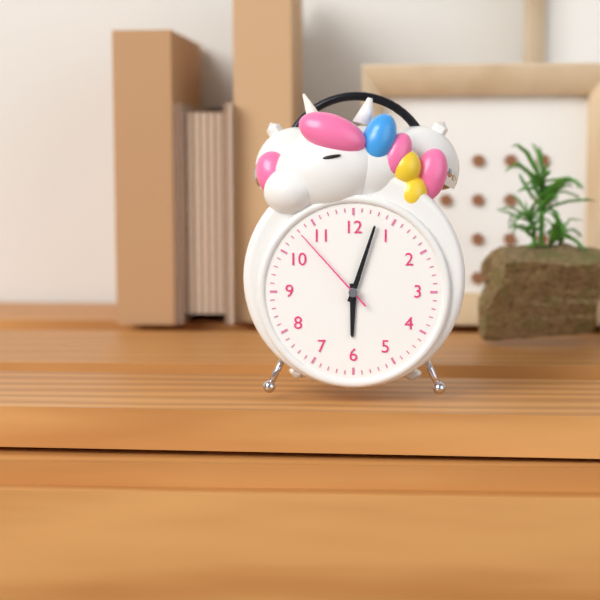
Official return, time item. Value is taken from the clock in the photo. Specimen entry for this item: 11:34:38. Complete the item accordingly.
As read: 6:03:53
